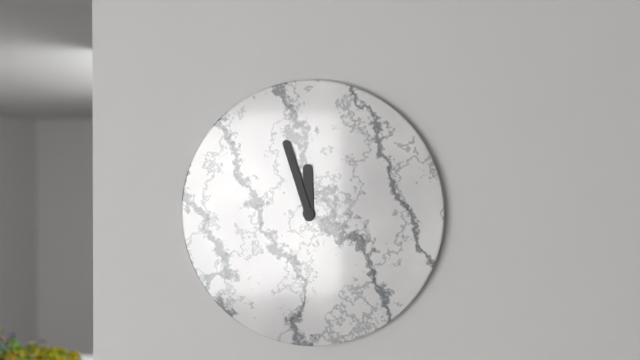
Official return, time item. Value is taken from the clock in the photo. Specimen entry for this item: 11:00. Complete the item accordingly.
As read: 11:57
